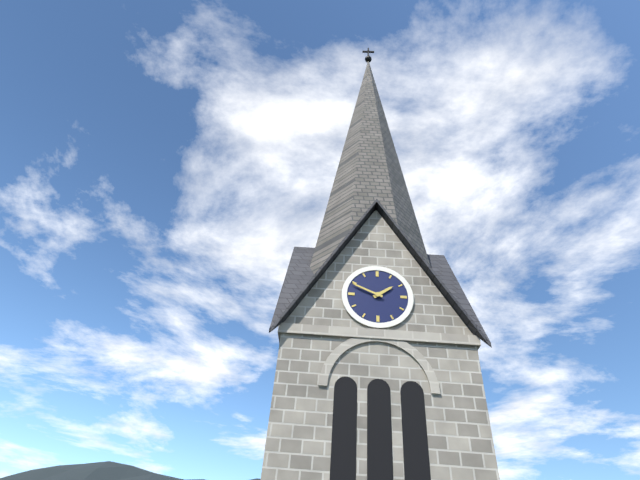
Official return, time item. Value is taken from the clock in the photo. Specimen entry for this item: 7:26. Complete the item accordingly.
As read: 1:49
